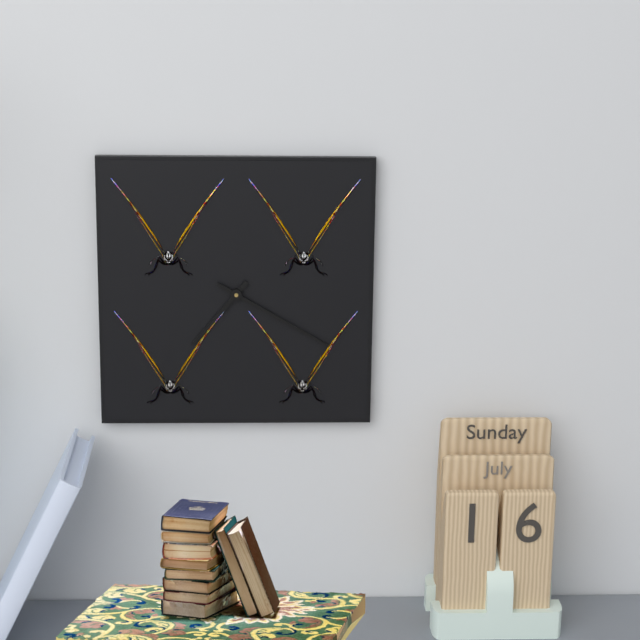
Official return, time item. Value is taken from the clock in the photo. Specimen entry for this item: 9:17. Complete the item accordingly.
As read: 7:20
